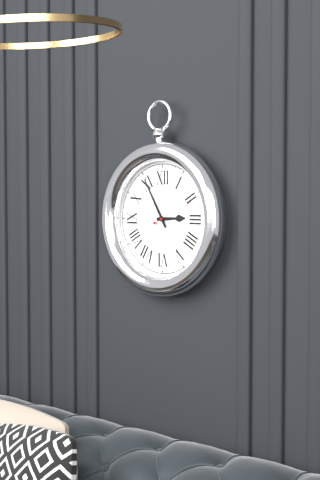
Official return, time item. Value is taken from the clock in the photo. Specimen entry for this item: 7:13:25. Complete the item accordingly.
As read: 2:55:11
